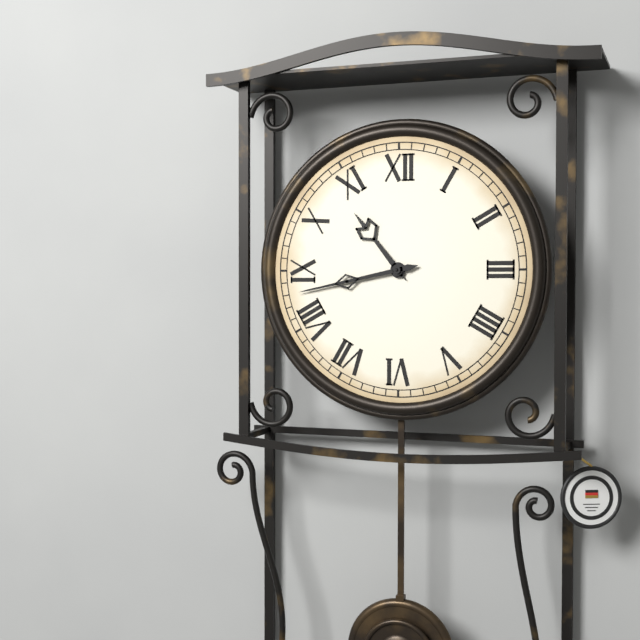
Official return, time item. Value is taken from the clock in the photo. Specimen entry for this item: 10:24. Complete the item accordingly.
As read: 10:43
